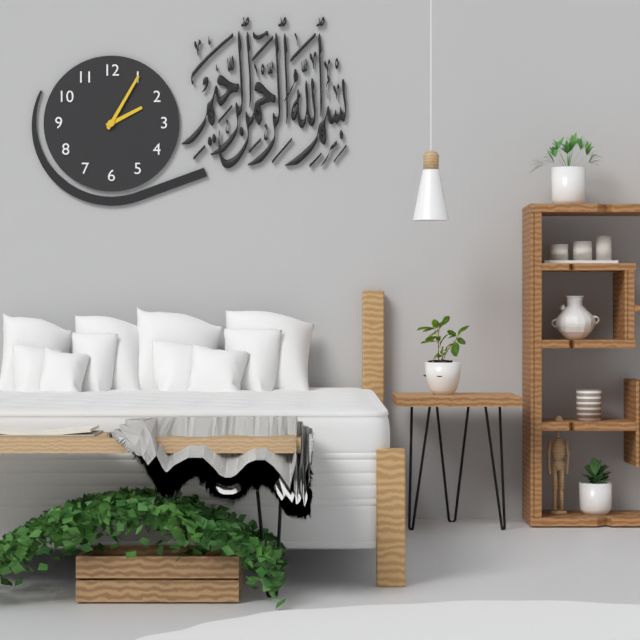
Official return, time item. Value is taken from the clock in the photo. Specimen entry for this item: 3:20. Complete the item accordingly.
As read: 2:05
